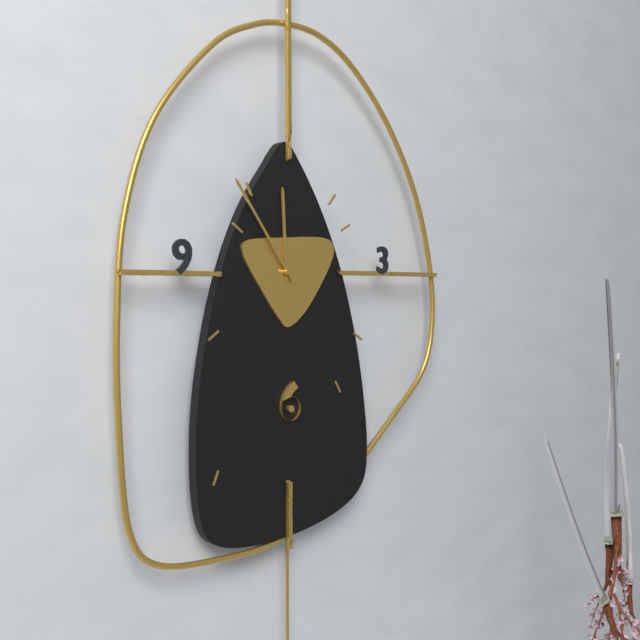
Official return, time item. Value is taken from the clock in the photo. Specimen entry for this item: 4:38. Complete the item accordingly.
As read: 11:54
